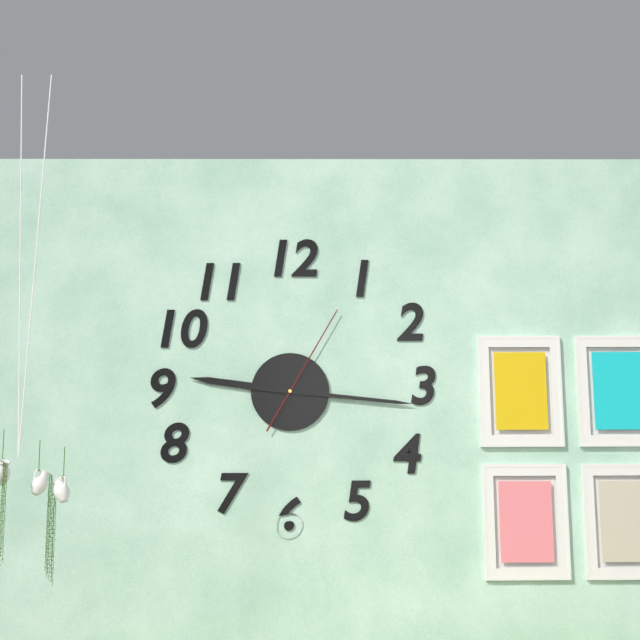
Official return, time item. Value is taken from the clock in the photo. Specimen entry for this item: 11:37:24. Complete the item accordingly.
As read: 9:16:05
